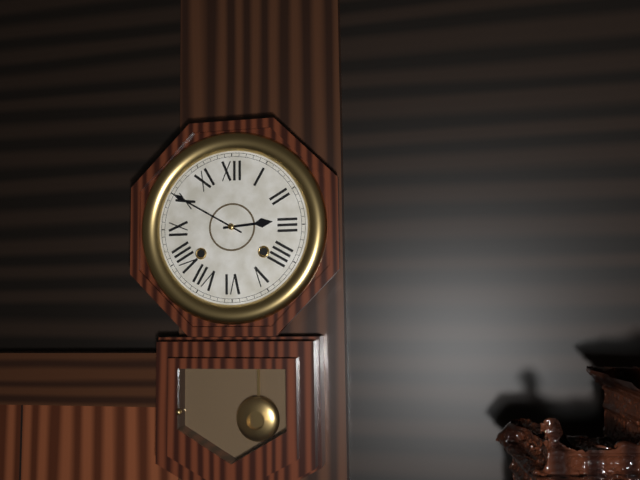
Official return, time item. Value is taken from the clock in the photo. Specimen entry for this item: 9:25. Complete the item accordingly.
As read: 2:50
